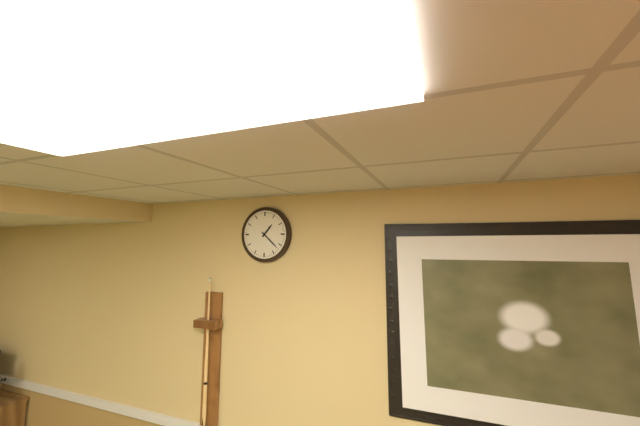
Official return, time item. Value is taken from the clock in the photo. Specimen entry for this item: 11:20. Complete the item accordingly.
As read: 1:22
